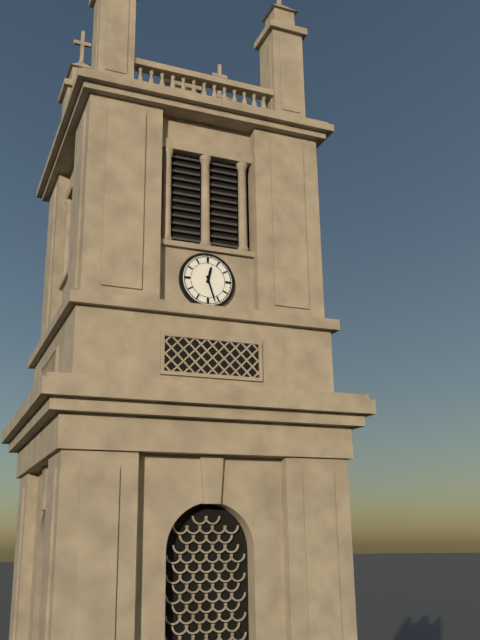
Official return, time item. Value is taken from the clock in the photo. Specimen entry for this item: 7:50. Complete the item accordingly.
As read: 12:27
